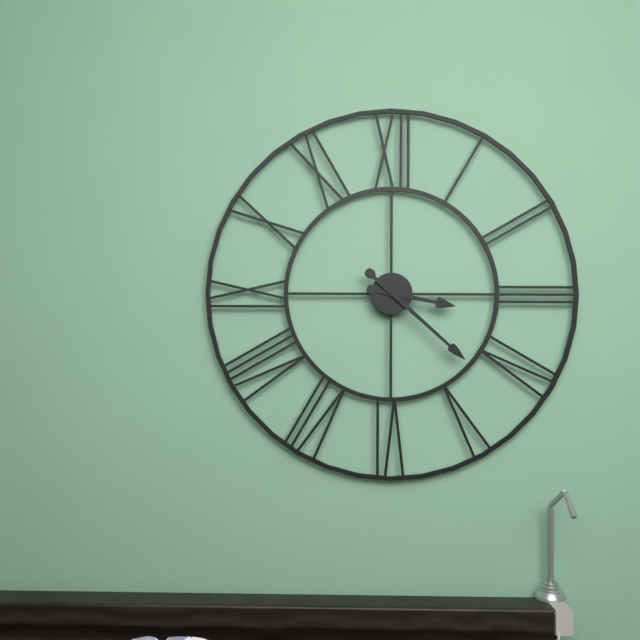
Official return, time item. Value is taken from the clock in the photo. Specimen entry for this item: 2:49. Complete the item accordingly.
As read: 3:22
